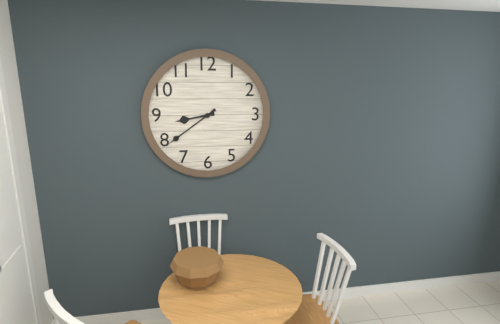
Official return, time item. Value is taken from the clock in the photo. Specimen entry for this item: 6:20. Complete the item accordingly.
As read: 8:39
